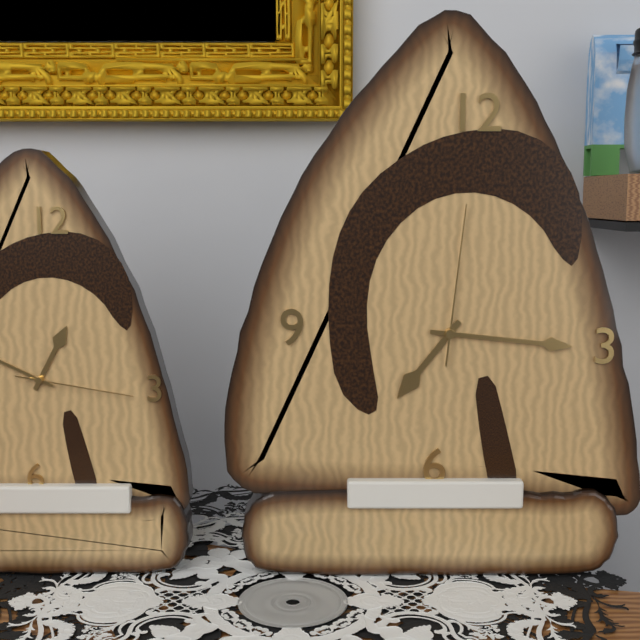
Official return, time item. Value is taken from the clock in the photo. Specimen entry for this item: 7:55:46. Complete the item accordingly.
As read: 7:16:01
